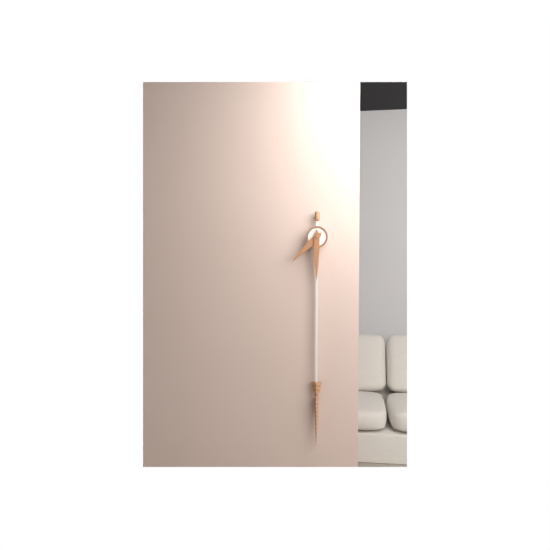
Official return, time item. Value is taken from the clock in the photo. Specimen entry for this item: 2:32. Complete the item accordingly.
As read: 7:30
